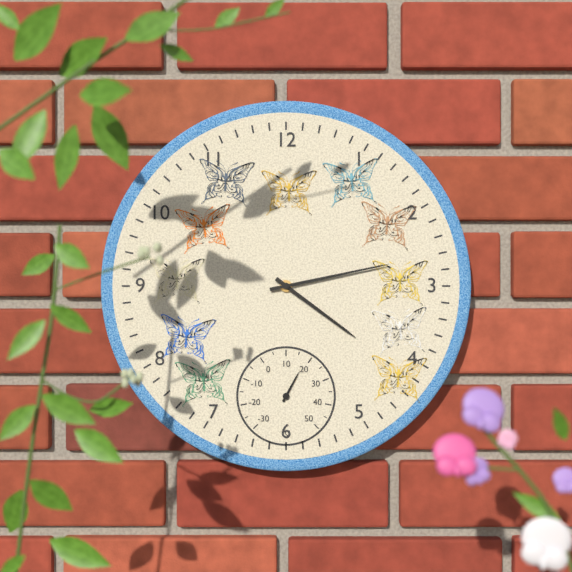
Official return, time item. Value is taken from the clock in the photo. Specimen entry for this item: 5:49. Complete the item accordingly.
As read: 4:13
